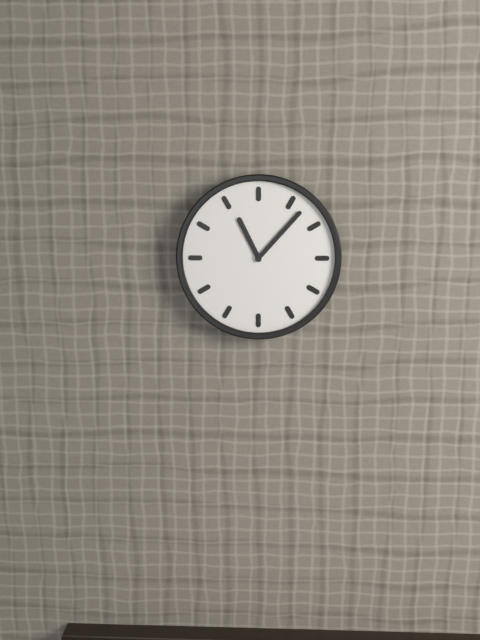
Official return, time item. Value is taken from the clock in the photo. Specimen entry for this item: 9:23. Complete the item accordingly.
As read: 11:07
